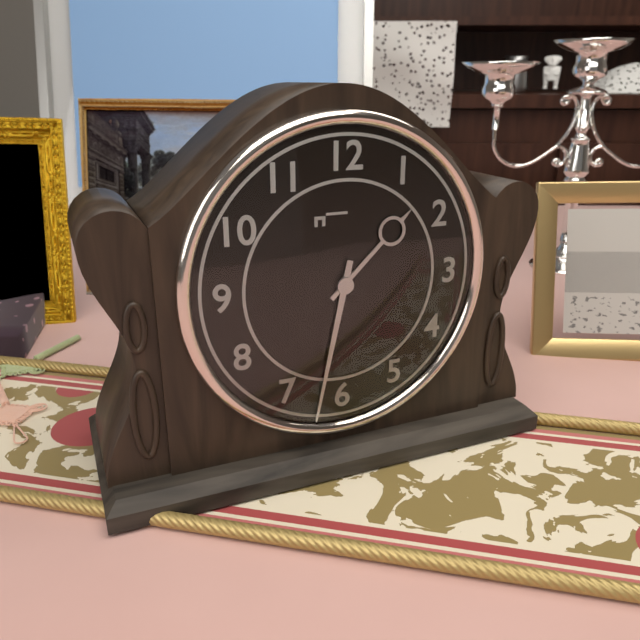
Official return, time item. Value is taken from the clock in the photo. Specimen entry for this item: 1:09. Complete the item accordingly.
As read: 1:32
